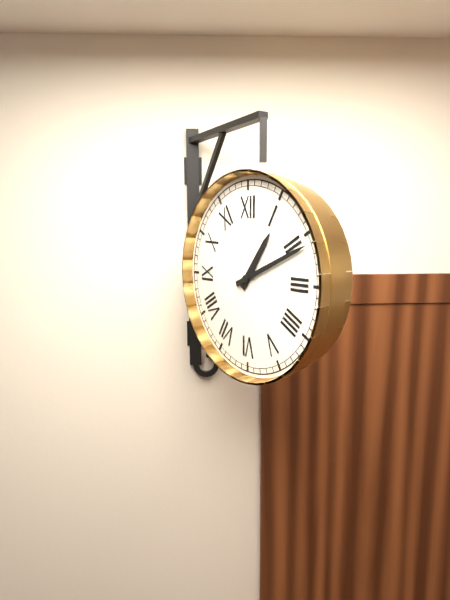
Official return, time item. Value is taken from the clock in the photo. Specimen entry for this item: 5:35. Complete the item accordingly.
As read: 1:11
